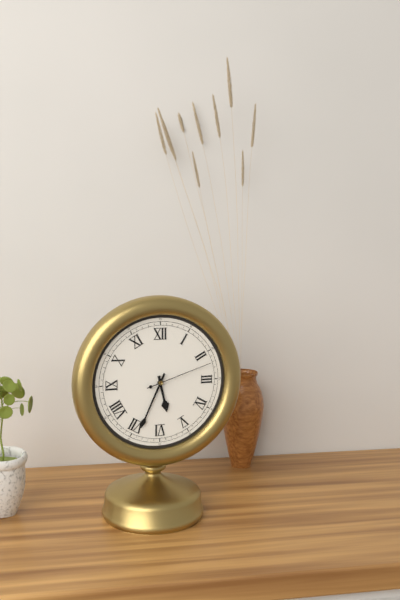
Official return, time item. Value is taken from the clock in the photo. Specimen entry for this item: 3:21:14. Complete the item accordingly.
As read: 5:34:12
